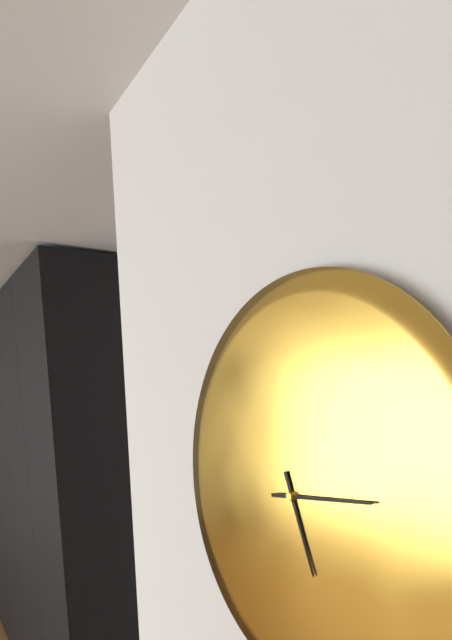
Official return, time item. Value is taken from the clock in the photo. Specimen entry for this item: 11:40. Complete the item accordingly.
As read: 5:14
